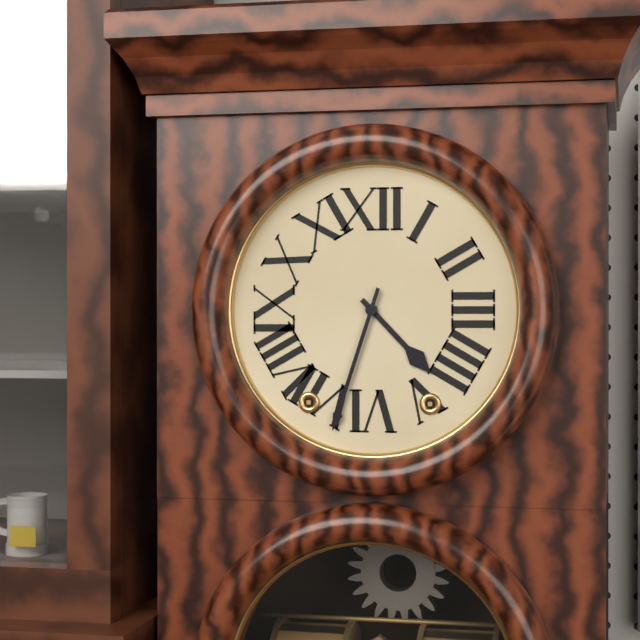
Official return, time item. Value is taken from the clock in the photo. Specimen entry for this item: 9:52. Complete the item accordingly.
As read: 4:33
